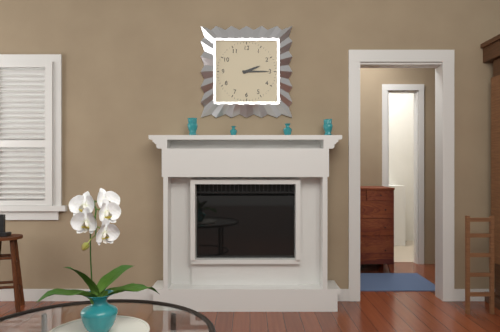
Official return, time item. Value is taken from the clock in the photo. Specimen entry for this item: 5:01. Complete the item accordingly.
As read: 2:15
